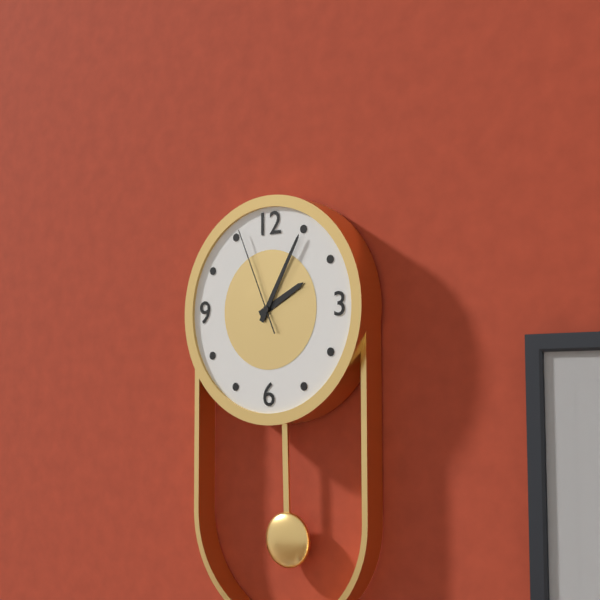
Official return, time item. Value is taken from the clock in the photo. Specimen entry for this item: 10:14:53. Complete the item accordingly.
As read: 2:05:56
